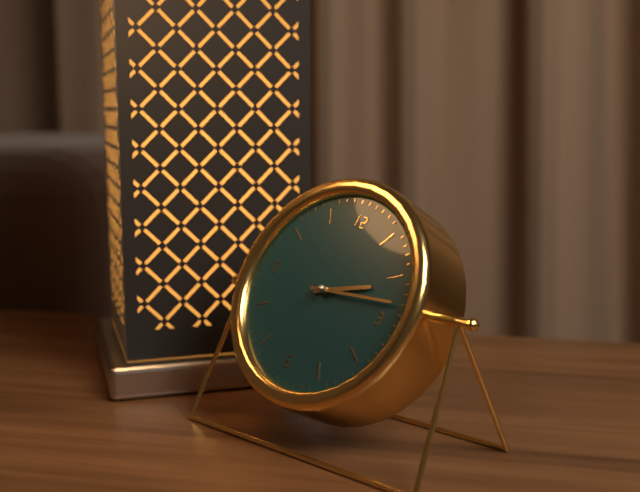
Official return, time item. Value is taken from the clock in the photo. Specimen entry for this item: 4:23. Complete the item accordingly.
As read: 2:13
